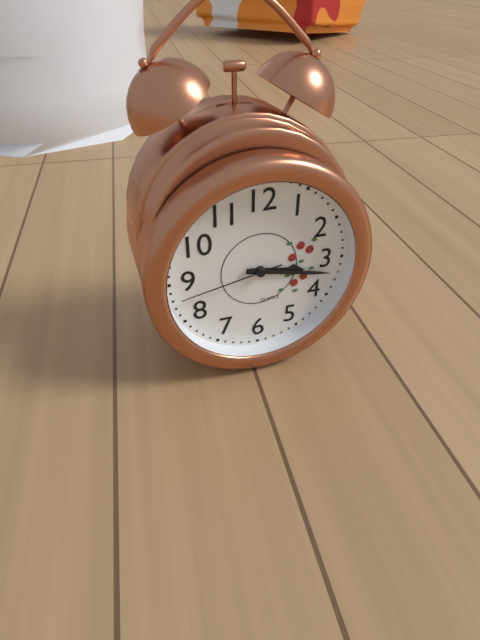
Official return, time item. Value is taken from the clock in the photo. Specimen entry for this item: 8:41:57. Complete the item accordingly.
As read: 3:17:43
